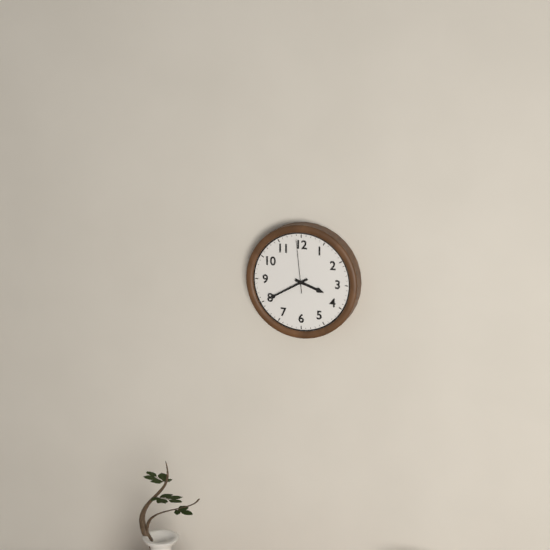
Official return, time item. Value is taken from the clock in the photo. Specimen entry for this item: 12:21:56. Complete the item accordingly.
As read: 3:40:59
